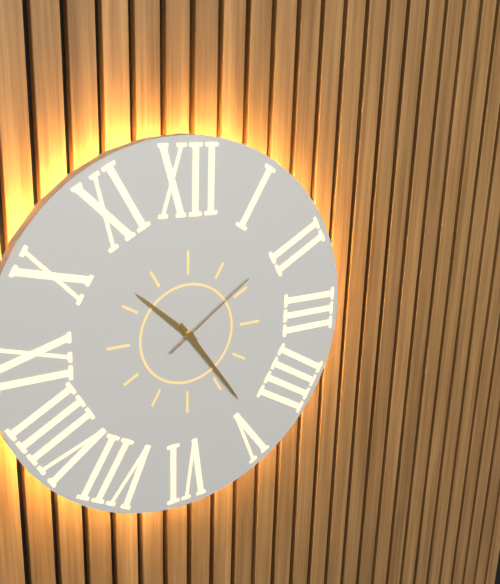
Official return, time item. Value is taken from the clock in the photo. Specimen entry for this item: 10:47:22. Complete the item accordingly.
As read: 10:24:09
